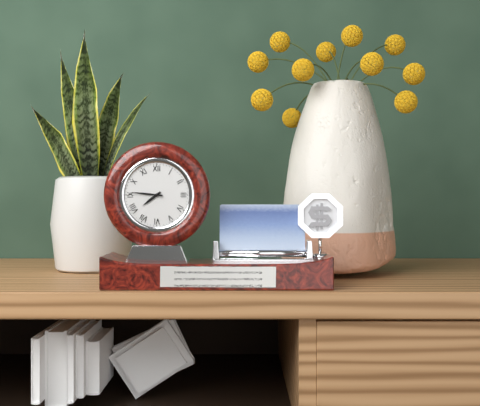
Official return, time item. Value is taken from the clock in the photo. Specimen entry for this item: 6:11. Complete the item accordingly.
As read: 7:46
